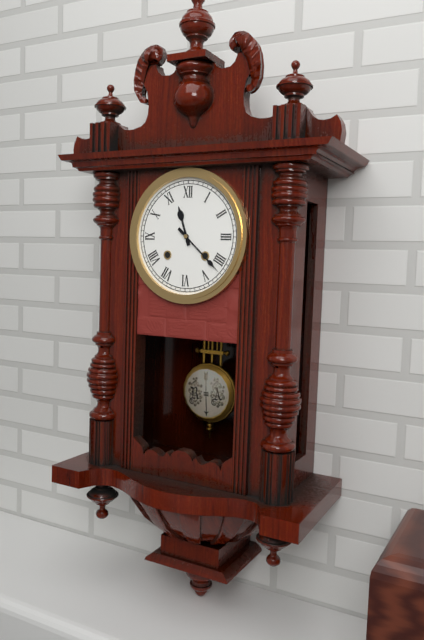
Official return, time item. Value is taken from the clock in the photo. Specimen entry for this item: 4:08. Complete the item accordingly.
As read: 11:22
